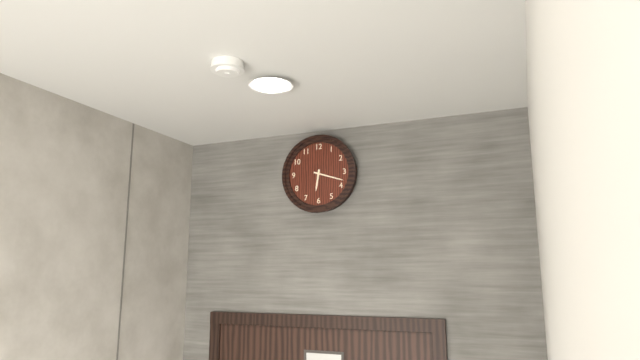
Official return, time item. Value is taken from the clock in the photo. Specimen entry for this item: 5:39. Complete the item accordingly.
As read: 6:18
